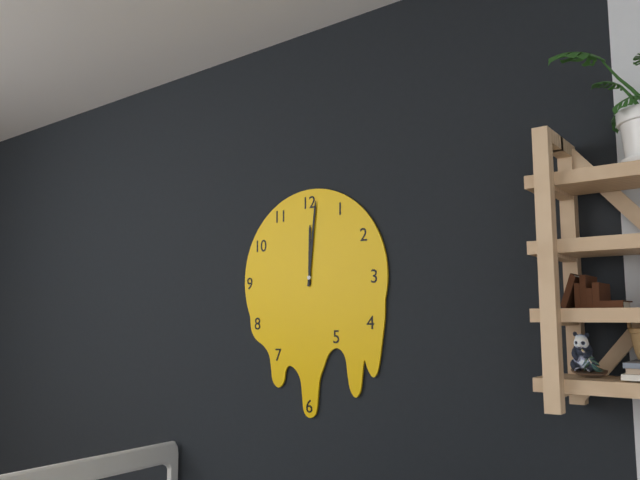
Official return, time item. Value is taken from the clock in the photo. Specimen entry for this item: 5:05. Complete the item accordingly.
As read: 12:01
